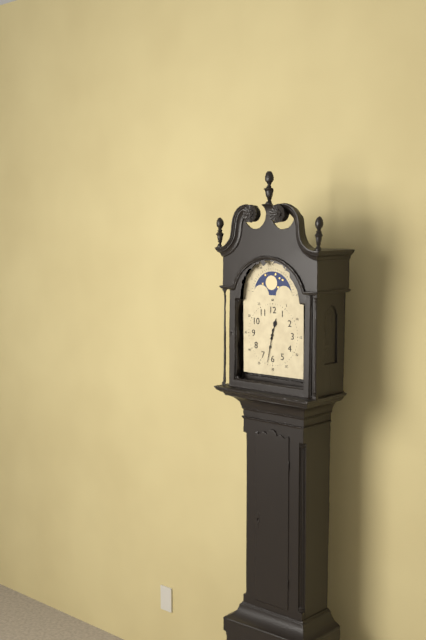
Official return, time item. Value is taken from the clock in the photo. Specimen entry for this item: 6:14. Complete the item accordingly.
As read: 12:32
